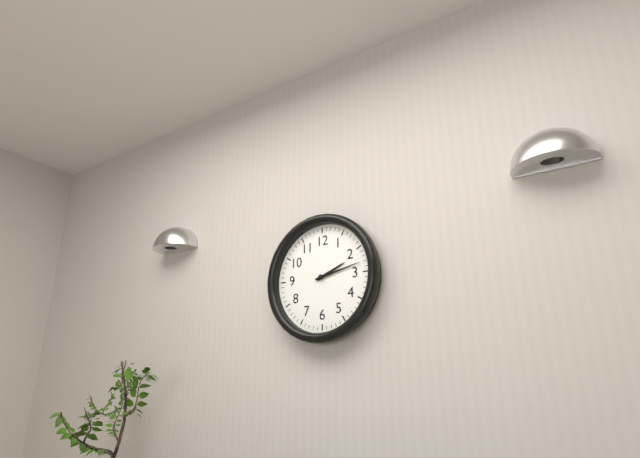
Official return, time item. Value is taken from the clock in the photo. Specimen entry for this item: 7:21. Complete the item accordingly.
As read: 2:13
